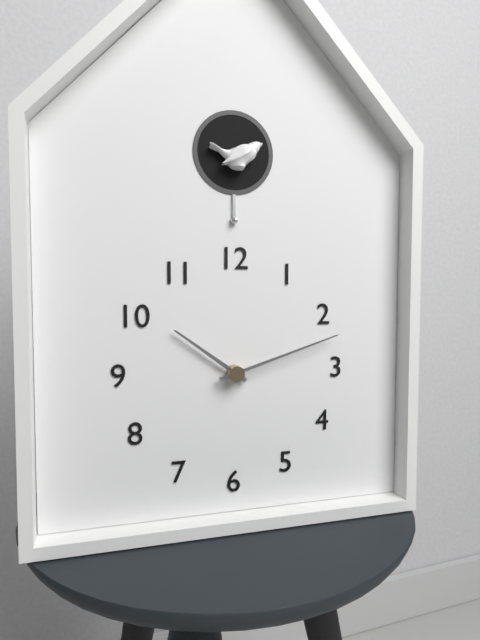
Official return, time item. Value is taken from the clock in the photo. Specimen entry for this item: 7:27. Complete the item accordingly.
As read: 10:12
